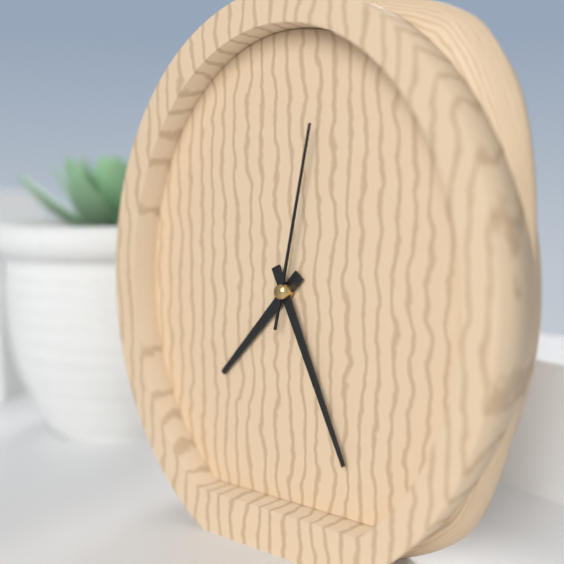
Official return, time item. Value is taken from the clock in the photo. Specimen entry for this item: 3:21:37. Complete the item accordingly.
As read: 7:26:02
